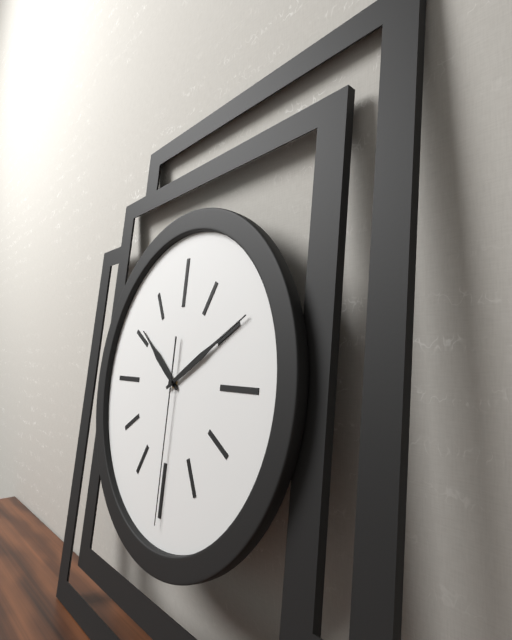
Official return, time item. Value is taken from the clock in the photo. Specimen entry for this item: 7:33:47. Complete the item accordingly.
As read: 10:10:30
